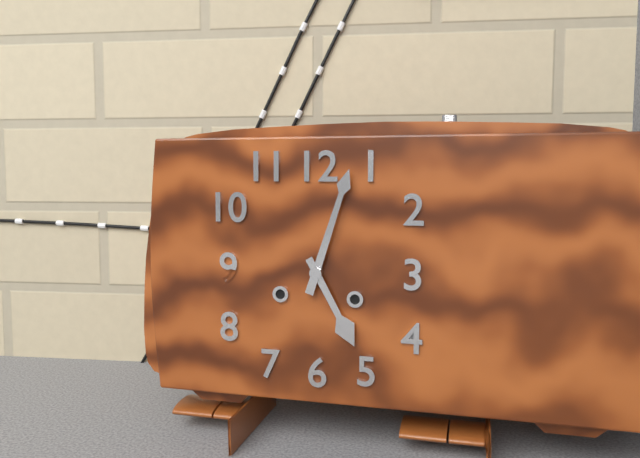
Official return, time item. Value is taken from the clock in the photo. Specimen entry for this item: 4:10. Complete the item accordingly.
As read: 5:03
